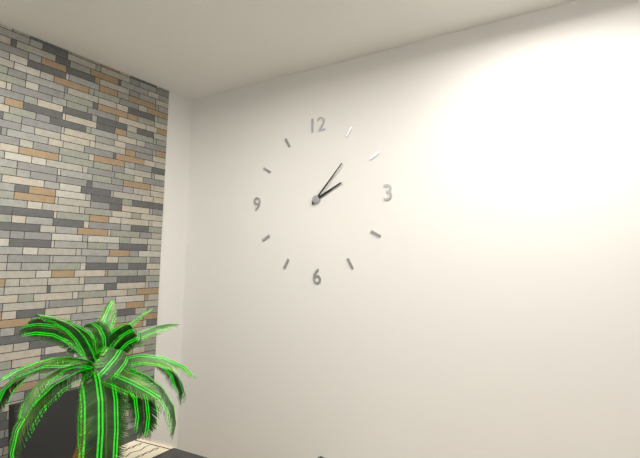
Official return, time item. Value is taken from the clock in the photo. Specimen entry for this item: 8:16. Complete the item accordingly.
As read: 2:07
